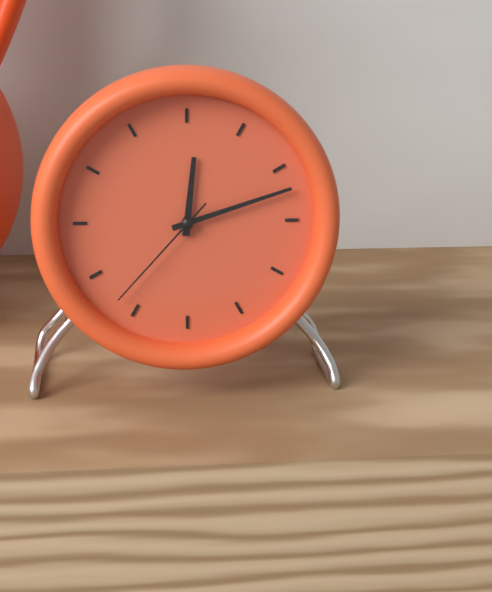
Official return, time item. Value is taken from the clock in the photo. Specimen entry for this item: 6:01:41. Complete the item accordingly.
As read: 12:12:37
